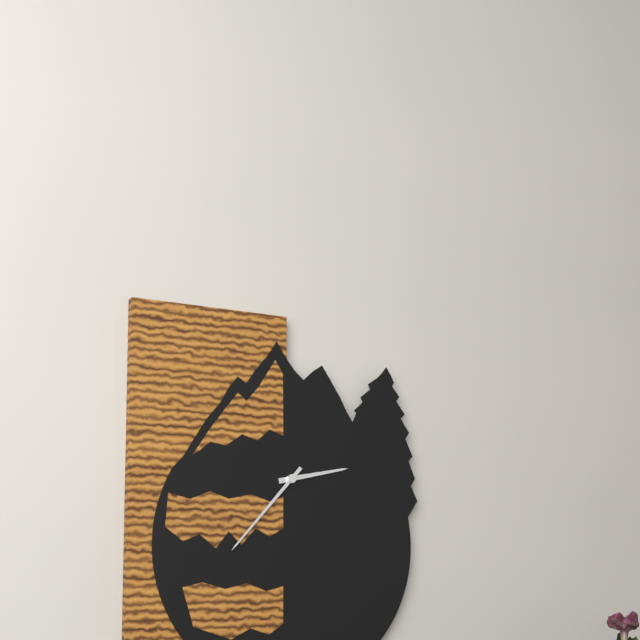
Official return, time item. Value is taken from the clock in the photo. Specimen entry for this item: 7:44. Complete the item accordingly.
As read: 2:37
